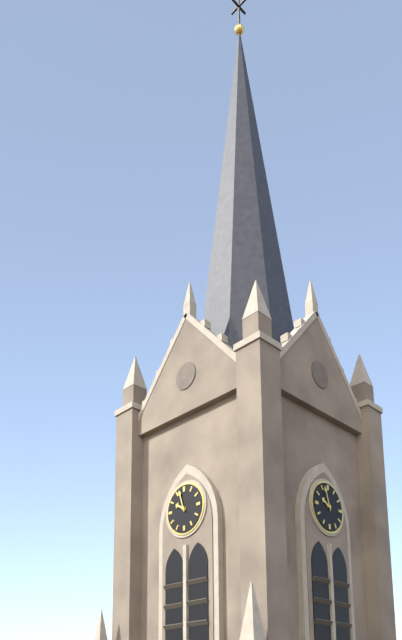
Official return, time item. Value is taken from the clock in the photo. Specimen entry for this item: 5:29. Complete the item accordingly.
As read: 9:57
